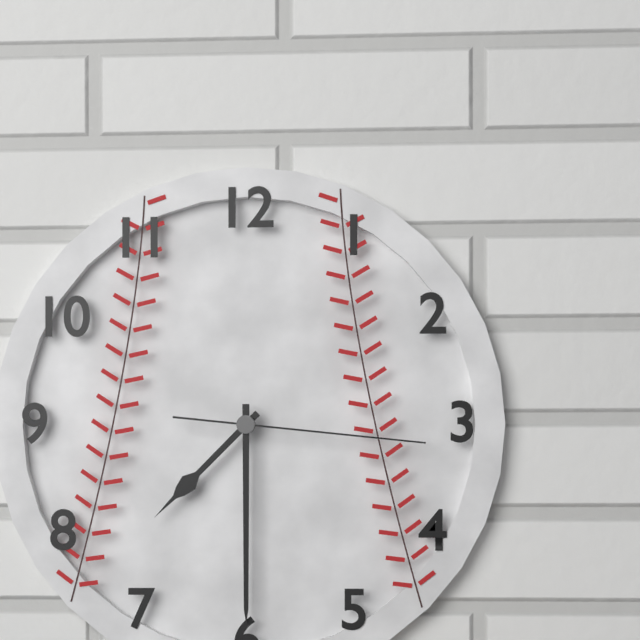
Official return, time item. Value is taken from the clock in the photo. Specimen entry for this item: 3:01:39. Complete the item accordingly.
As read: 7:30:16
